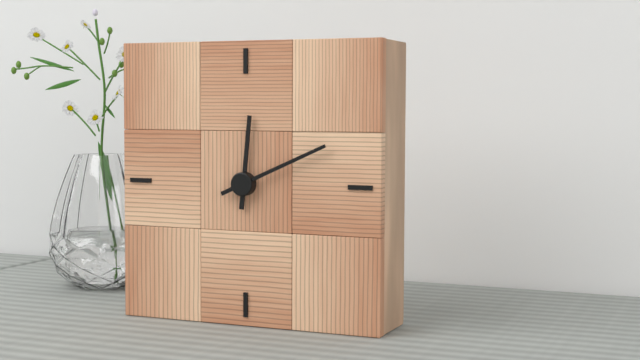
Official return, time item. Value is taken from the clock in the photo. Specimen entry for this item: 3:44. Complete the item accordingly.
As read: 12:11
